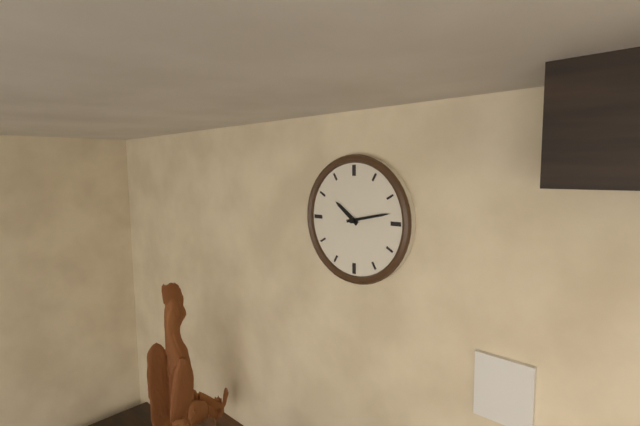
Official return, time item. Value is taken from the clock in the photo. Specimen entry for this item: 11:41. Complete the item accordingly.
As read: 10:13
